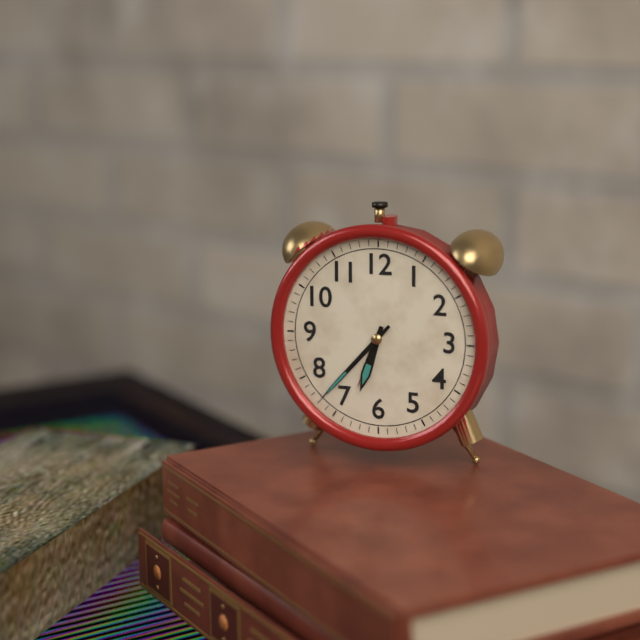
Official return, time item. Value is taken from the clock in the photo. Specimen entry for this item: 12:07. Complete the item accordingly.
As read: 6:37
